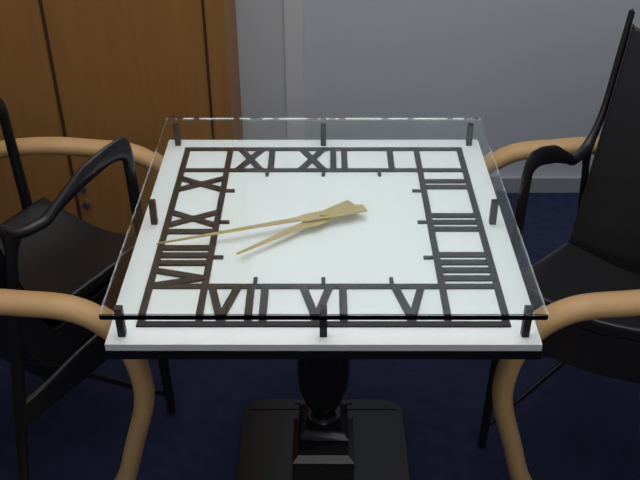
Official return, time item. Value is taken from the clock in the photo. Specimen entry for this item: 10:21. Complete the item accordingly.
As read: 7:42
